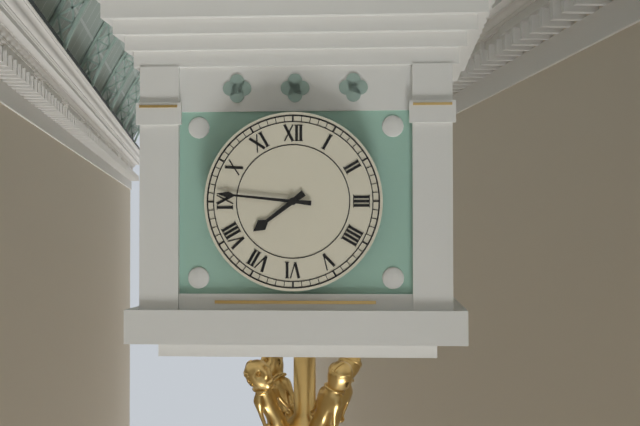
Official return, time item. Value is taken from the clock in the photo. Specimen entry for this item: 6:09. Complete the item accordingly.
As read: 7:46
